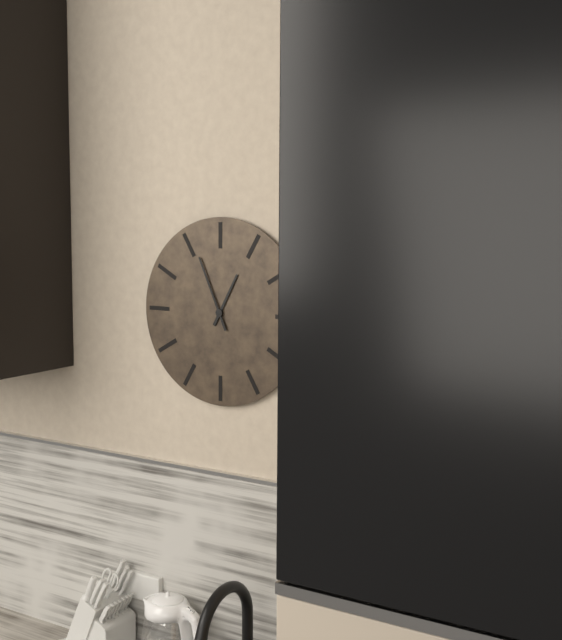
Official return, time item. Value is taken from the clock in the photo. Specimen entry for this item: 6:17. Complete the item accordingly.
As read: 12:56
